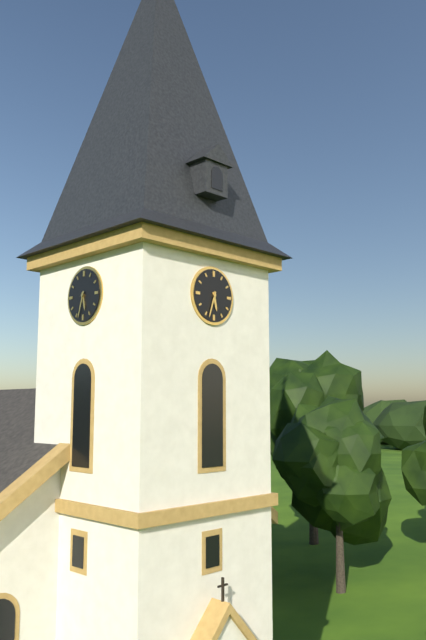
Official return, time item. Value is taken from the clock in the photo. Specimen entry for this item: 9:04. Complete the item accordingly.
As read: 5:33
